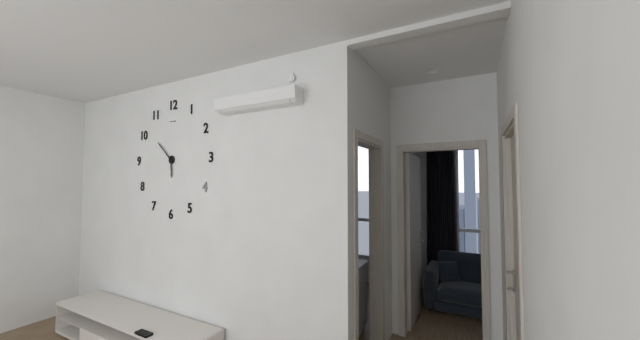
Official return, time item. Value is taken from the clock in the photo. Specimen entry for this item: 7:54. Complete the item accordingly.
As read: 5:52
